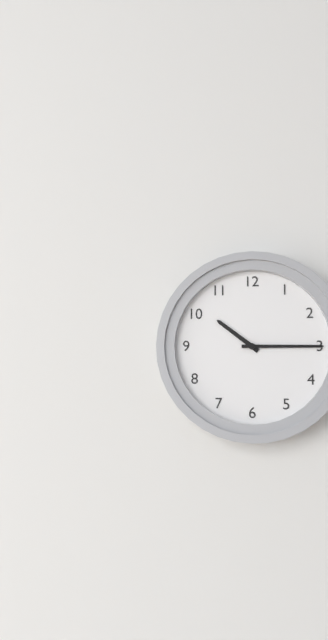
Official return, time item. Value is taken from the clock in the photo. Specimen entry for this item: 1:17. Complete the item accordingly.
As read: 10:15
